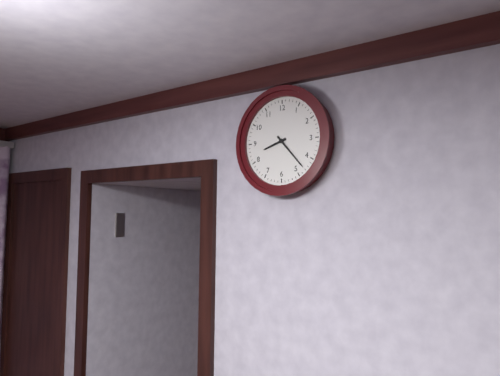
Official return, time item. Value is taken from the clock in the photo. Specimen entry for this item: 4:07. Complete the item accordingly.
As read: 8:23
